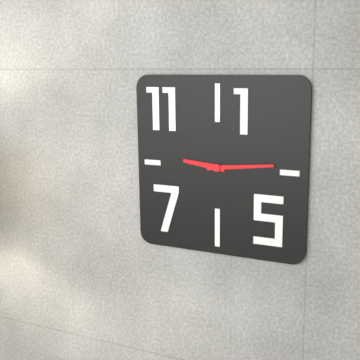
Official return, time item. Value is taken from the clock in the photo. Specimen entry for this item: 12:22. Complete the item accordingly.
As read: 9:14
